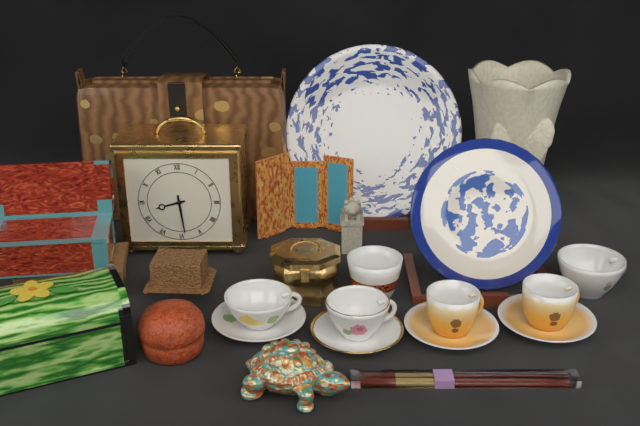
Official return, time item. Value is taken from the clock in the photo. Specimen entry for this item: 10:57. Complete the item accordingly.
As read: 8:29
